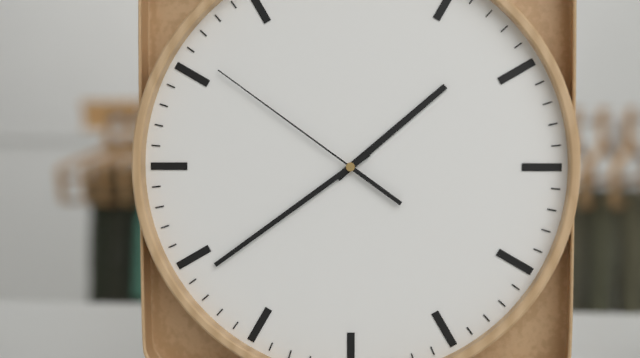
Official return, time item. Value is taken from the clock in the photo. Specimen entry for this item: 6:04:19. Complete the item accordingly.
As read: 1:39:51
